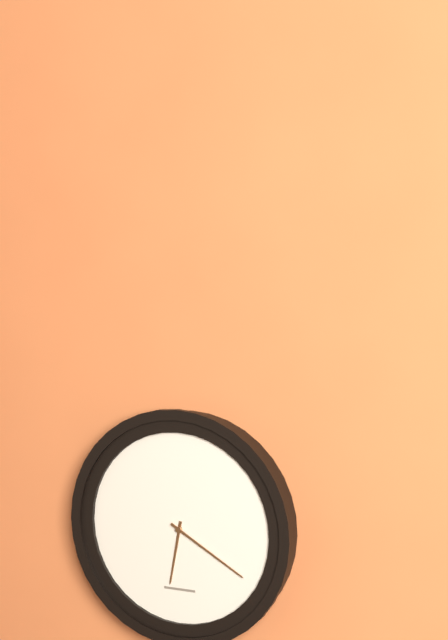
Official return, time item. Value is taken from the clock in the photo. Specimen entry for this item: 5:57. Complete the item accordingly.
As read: 6:20
